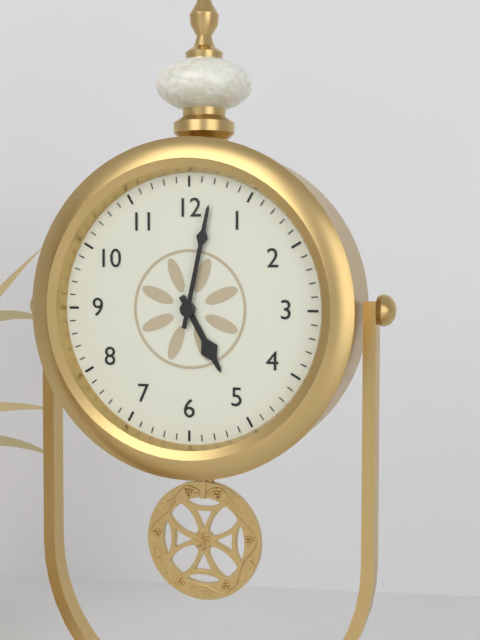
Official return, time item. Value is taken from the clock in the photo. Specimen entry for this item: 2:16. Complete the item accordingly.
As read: 5:02
